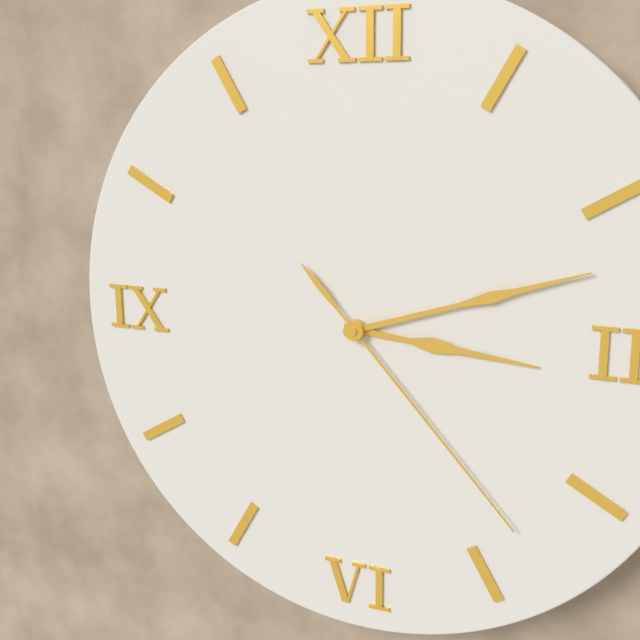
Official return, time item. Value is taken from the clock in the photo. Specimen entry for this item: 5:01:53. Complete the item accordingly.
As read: 3:12:23
